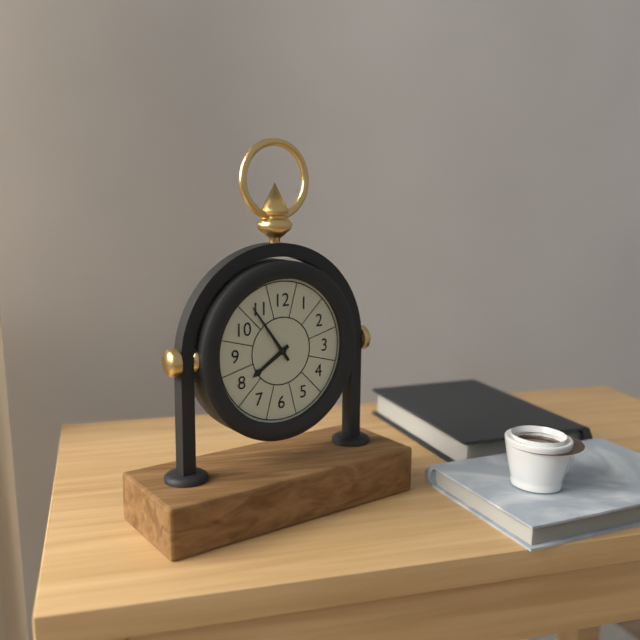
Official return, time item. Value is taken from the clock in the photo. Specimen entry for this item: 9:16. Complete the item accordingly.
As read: 7:54
